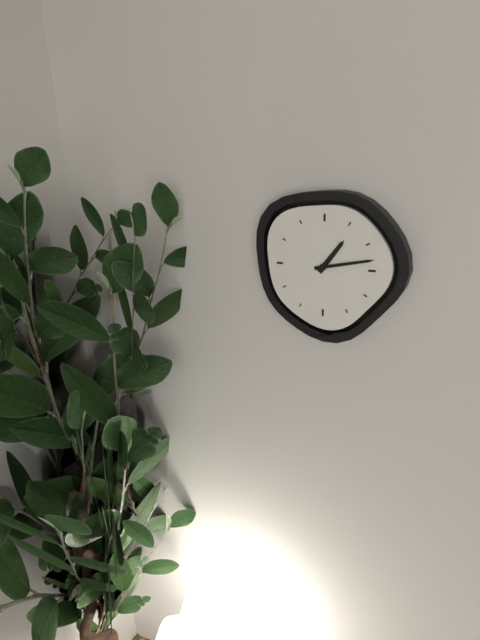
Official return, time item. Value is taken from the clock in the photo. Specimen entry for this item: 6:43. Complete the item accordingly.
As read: 1:13
